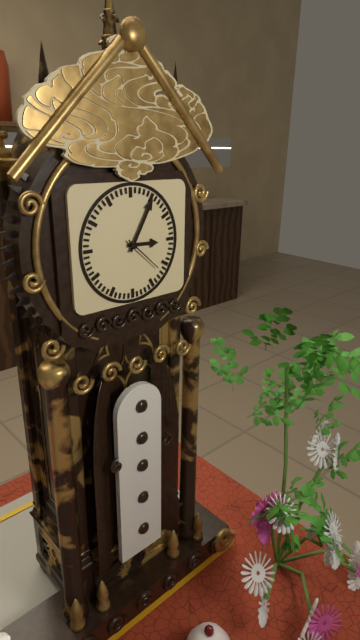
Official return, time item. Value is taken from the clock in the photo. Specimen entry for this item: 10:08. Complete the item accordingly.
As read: 3:05
